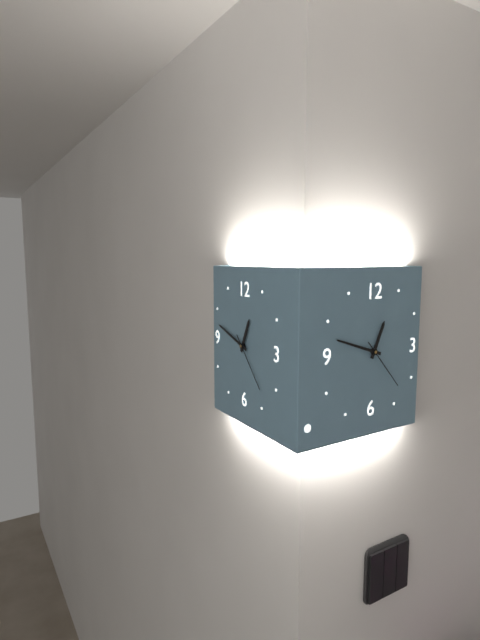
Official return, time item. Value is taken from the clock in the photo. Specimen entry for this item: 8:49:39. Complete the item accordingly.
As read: 12:48:23
